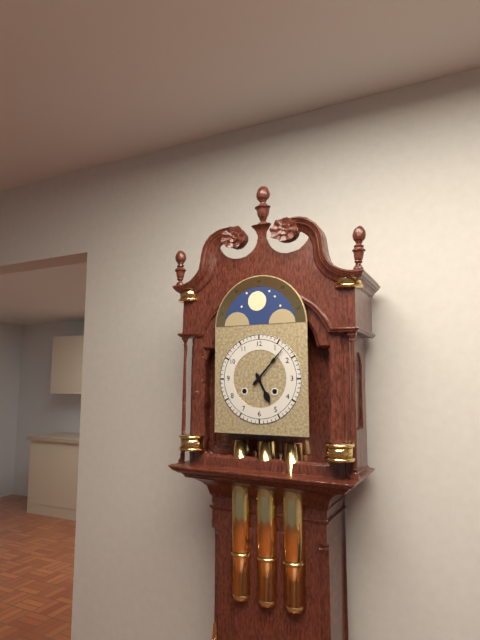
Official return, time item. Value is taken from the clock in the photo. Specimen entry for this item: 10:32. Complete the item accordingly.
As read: 5:07
